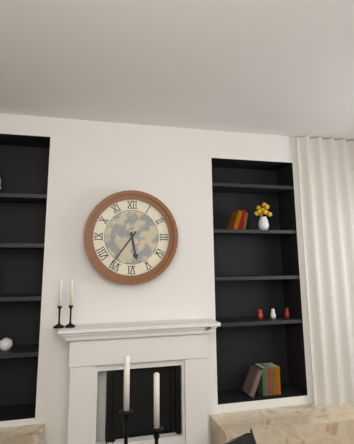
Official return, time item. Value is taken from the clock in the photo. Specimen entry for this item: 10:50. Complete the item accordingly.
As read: 5:36
